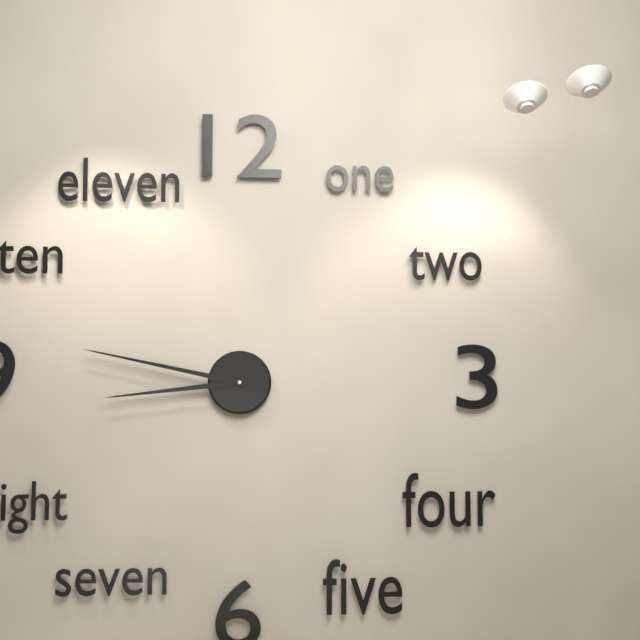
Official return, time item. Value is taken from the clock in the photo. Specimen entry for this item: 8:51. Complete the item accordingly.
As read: 8:47
